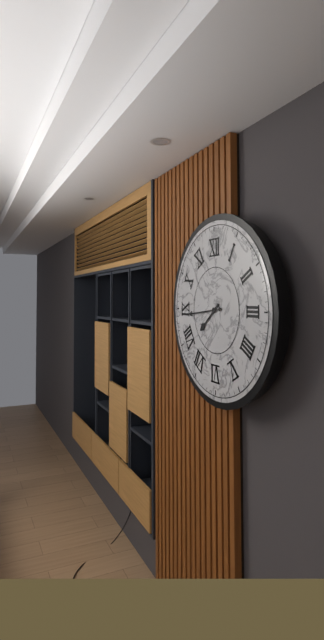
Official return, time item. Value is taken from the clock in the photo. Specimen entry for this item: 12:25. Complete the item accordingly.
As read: 7:44
